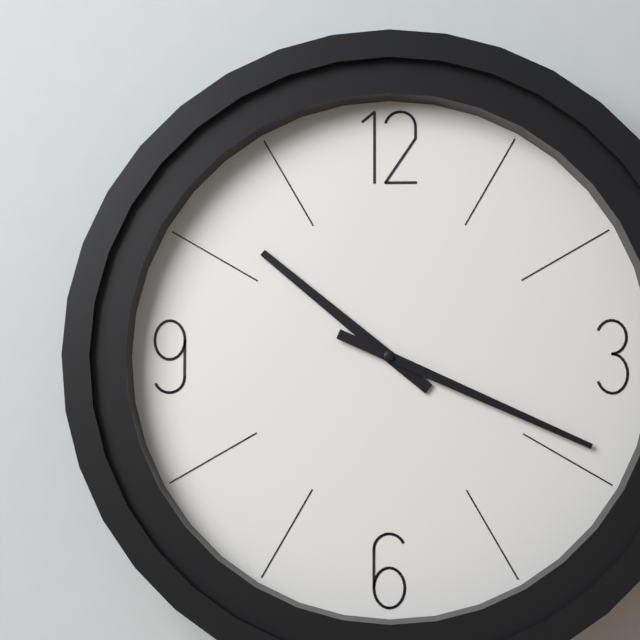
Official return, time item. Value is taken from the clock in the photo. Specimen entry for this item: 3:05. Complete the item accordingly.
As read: 10:19
